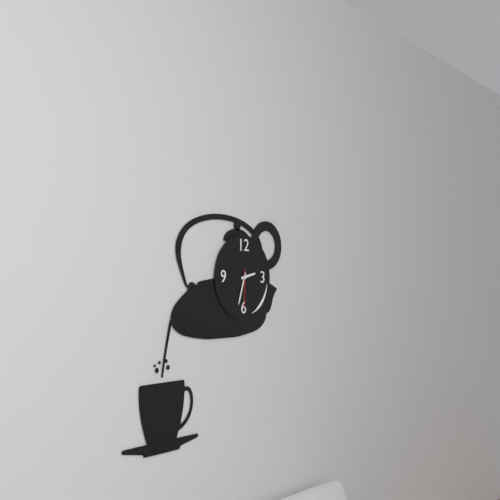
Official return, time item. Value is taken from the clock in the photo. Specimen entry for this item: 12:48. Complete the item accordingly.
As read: 2:33
